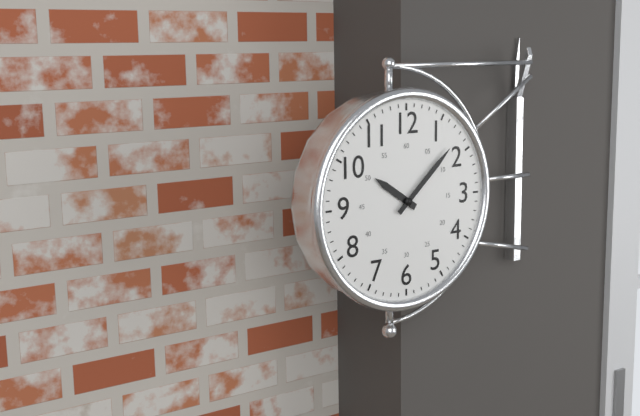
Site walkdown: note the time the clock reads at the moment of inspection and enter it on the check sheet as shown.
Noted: 10:08
